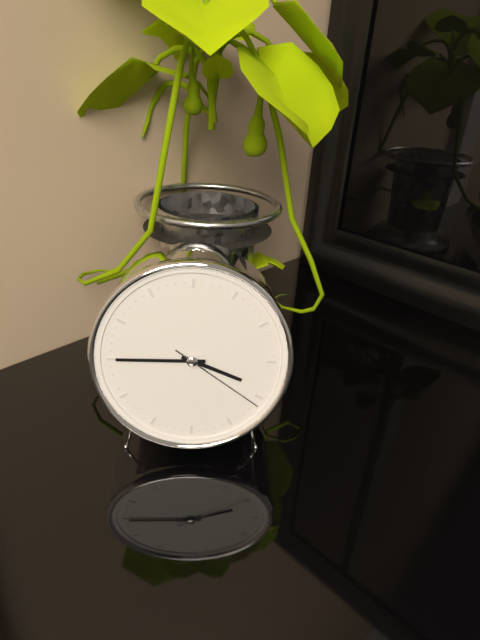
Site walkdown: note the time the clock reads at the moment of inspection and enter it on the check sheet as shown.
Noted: 3:45:21
